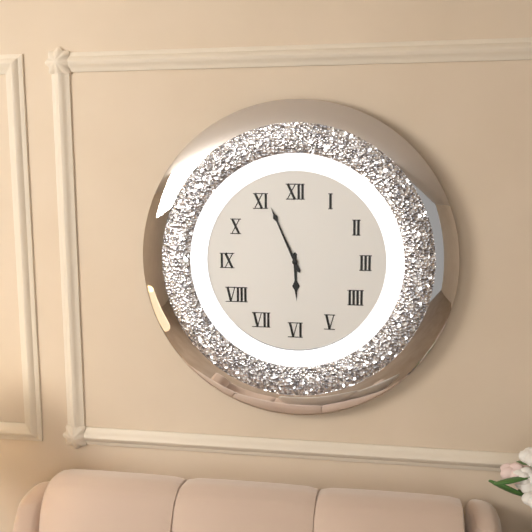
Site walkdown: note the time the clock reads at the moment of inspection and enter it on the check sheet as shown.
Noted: 5:56
